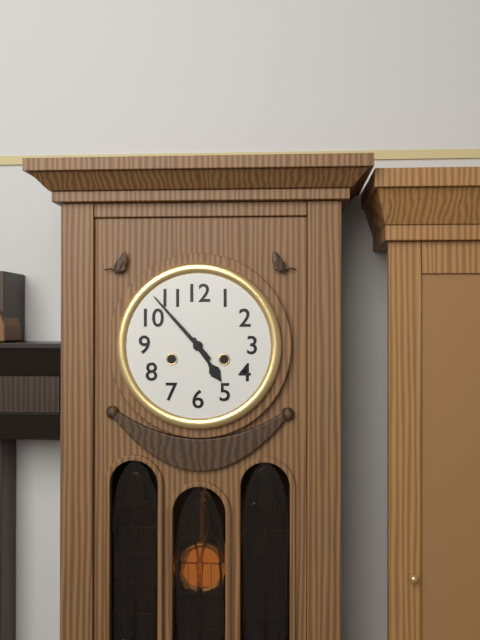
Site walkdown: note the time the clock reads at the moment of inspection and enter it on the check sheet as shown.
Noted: 4:53
